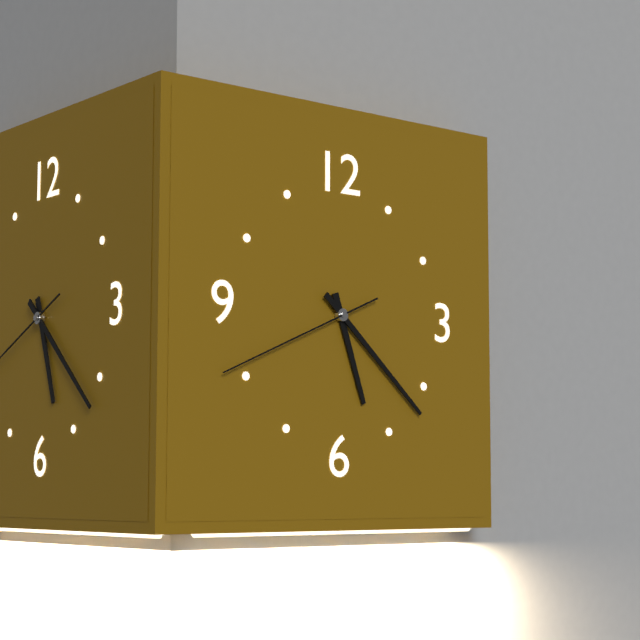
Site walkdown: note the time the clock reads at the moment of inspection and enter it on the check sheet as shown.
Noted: 5:22:41
